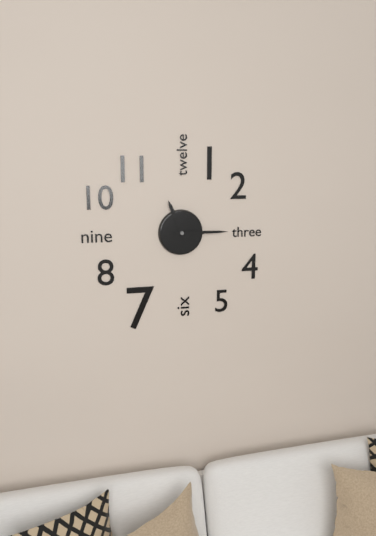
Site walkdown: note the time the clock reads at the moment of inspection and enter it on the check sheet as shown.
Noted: 11:15
